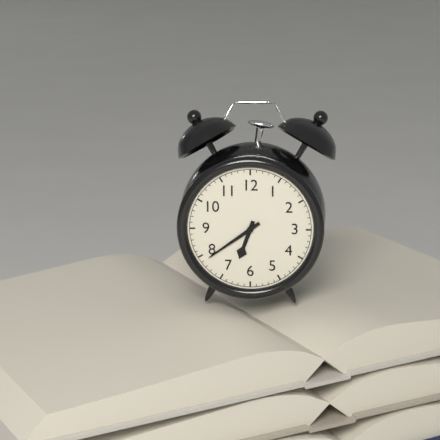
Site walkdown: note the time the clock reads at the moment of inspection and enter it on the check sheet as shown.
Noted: 6:39
